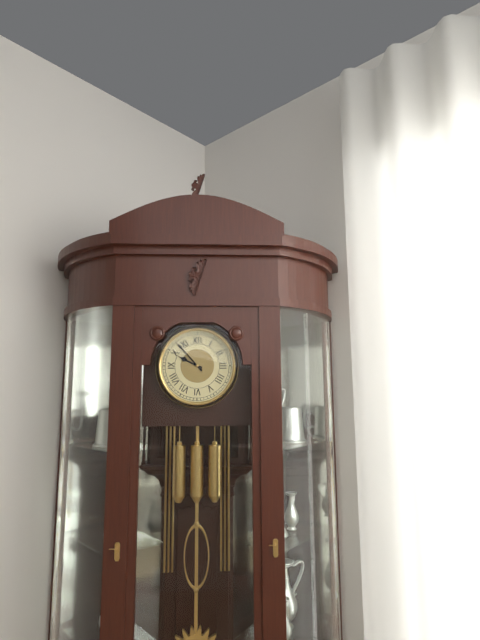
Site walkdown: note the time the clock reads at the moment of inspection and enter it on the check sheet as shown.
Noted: 9:53
